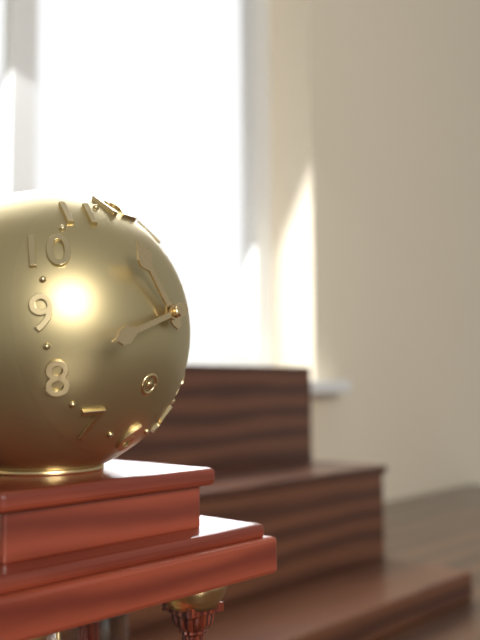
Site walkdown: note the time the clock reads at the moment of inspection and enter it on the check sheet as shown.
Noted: 10:42
